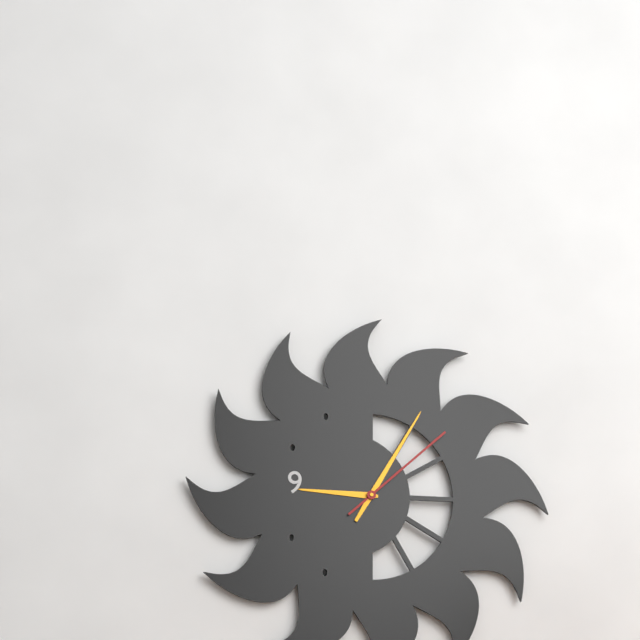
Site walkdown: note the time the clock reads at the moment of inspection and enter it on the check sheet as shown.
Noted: 9:05:08
